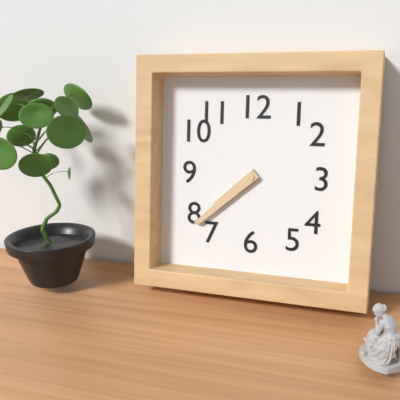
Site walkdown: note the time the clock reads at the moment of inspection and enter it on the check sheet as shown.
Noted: 7:38
